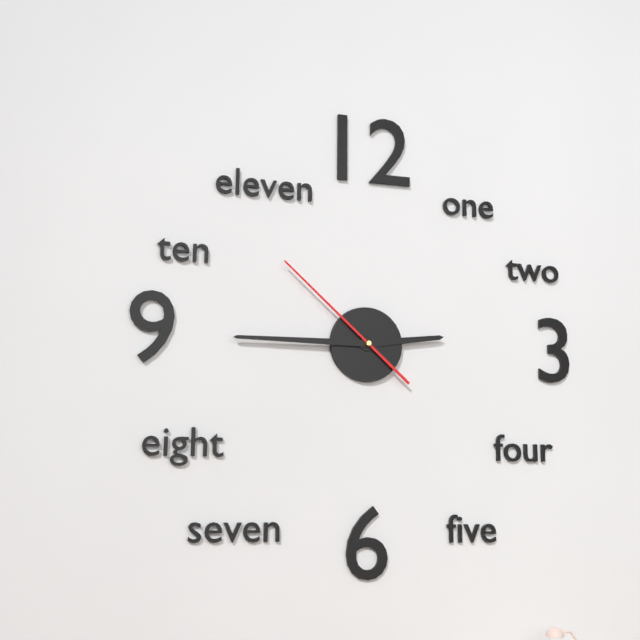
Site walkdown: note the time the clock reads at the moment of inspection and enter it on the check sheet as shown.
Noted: 2:45:52
